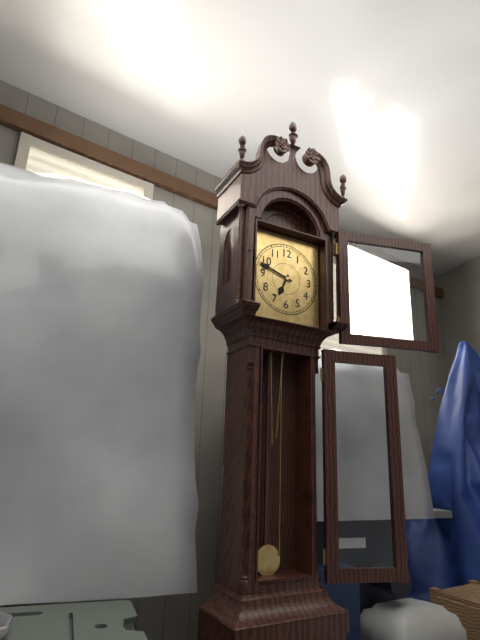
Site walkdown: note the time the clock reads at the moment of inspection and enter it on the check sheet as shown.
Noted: 6:48
